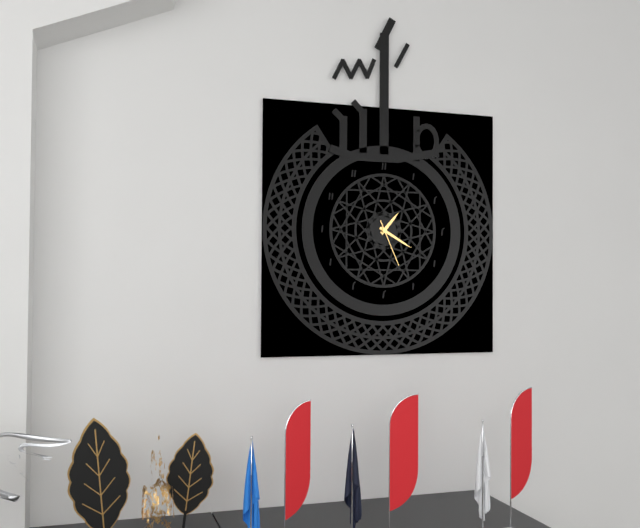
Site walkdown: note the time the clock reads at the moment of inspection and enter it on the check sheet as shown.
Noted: 1:20
